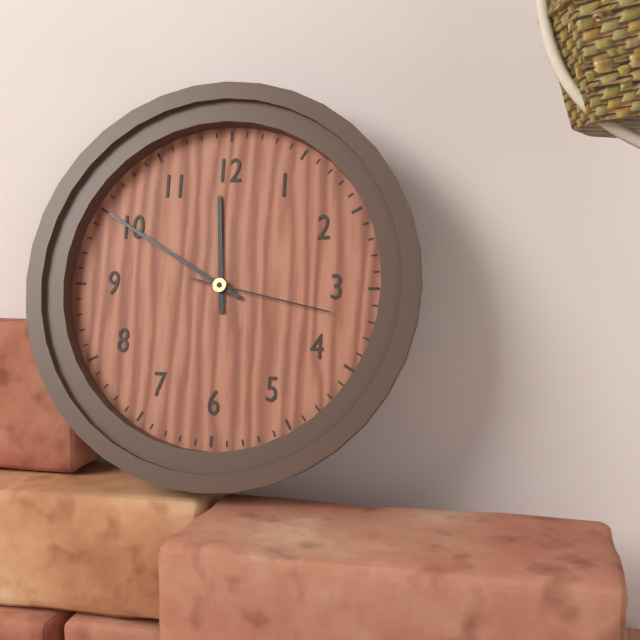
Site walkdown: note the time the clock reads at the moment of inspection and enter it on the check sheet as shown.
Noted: 11:50:17
